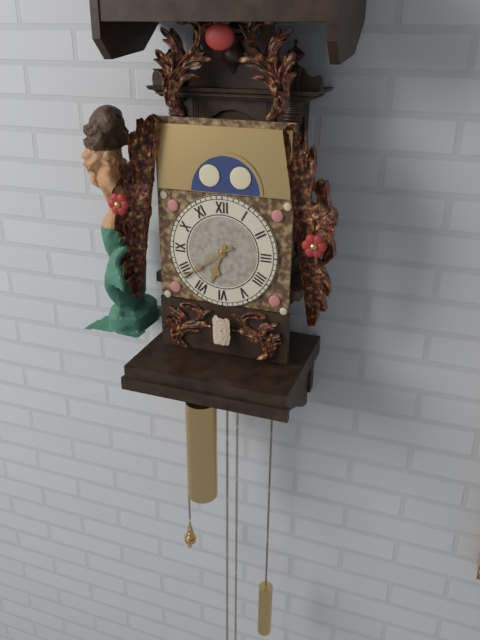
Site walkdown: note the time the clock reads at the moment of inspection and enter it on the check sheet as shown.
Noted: 6:39
